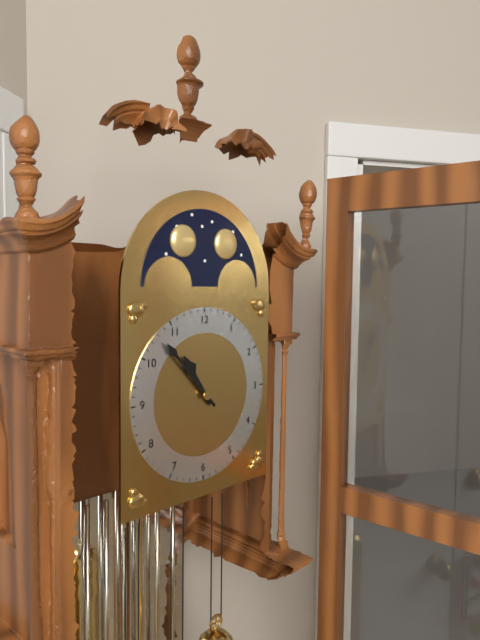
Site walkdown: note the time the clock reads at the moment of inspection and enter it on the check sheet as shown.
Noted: 10:53
